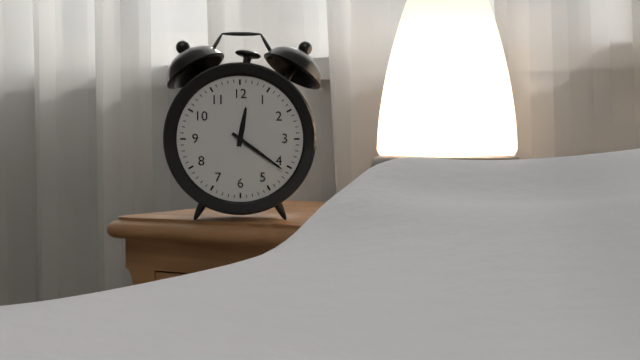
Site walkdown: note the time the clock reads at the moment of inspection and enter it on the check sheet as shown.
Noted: 12:21
